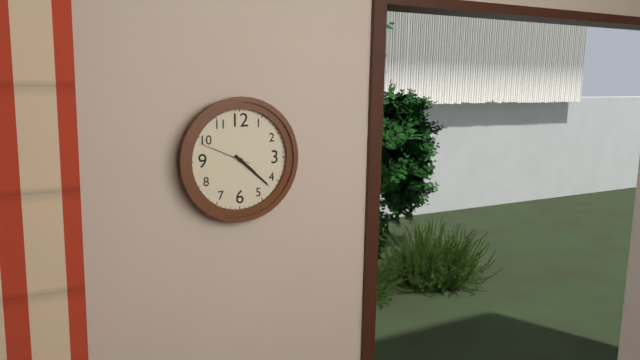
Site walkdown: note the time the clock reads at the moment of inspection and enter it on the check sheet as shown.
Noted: 4:22:49
